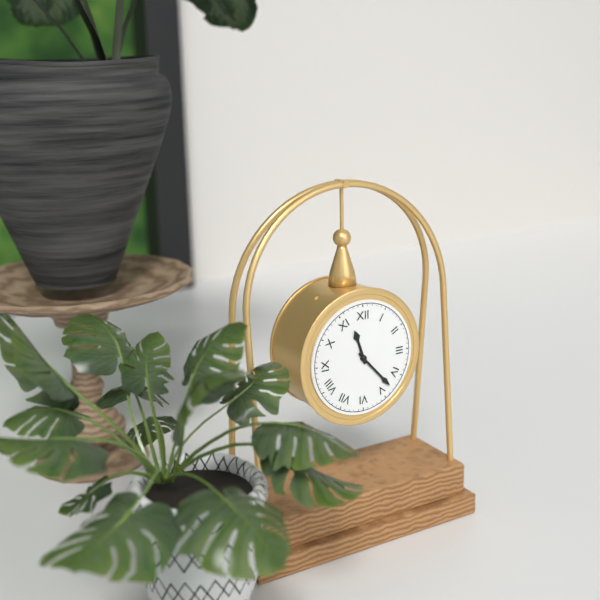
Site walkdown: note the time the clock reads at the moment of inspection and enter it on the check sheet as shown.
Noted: 11:23
